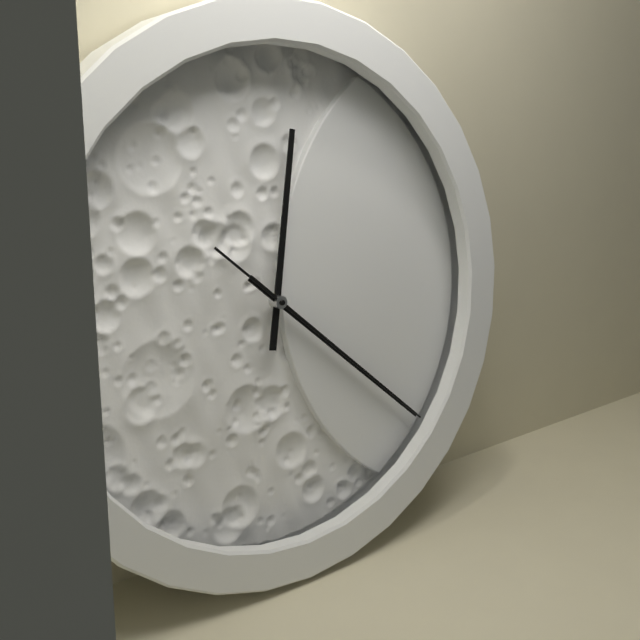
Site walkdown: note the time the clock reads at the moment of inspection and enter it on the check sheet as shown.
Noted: 12:22:22
